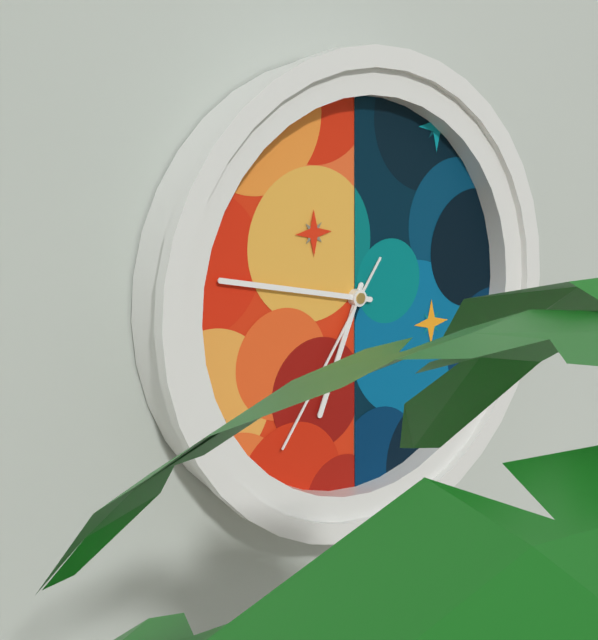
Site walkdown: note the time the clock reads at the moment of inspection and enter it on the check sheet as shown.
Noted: 6:47:36
